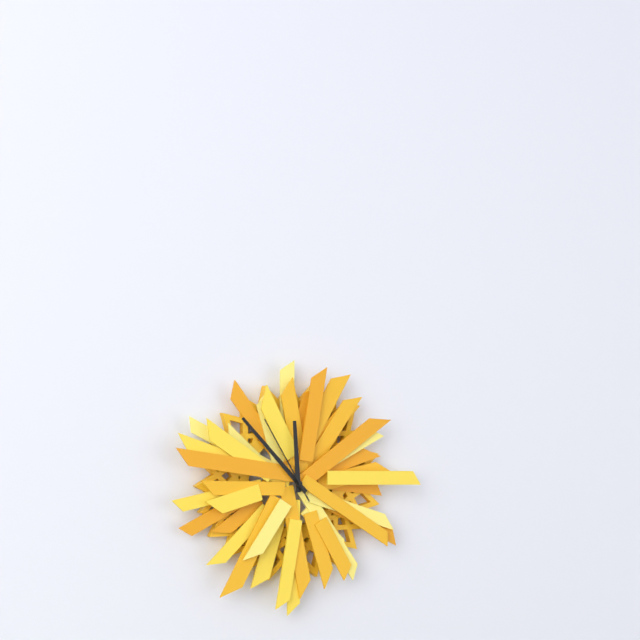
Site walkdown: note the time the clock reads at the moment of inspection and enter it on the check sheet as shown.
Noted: 11:53:55
